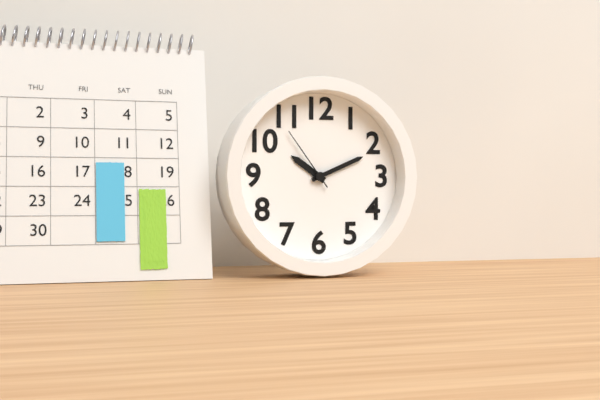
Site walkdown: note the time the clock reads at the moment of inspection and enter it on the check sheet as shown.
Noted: 10:11:54
